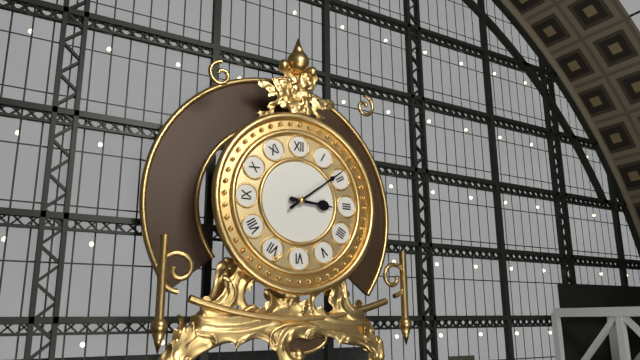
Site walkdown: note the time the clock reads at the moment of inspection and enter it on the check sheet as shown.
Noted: 3:09
